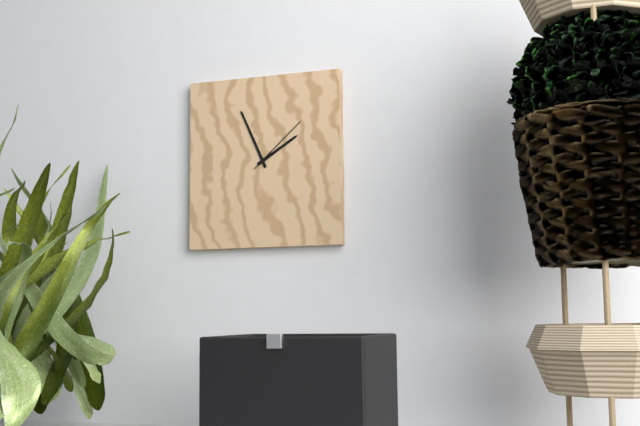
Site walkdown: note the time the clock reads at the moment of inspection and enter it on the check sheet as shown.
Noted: 1:56:08
